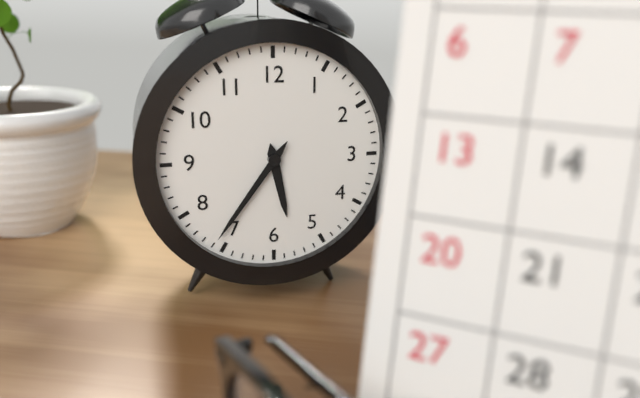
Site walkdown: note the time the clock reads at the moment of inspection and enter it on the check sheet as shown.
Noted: 5:36
